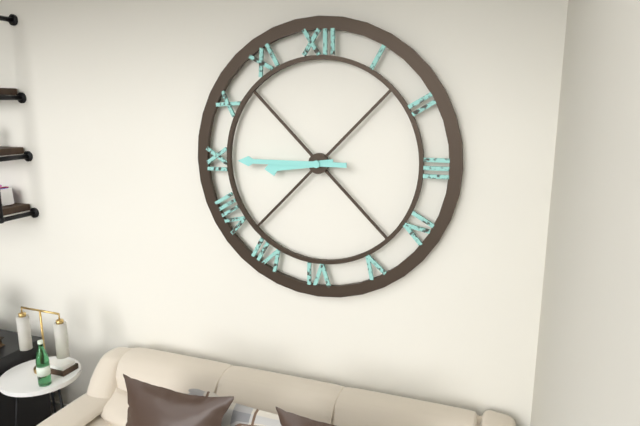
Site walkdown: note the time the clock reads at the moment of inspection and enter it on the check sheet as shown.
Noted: 8:45
